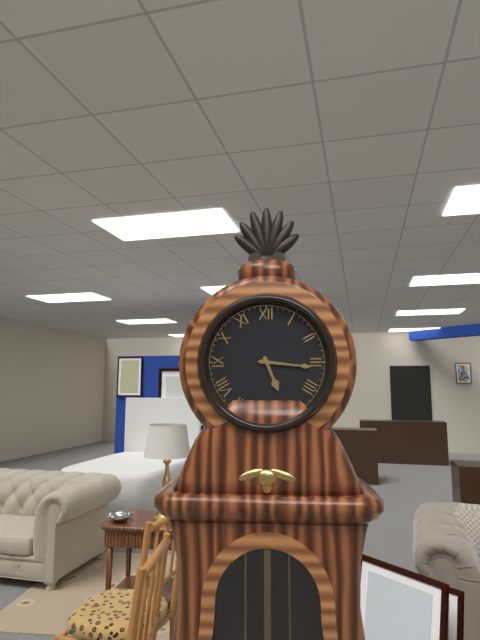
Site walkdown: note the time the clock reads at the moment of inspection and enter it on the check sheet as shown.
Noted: 5:16
